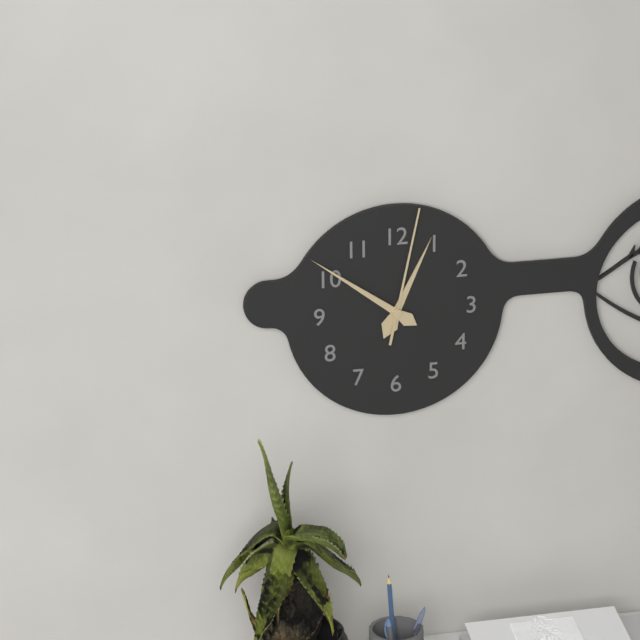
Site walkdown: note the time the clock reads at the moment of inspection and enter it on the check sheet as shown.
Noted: 12:51:02
